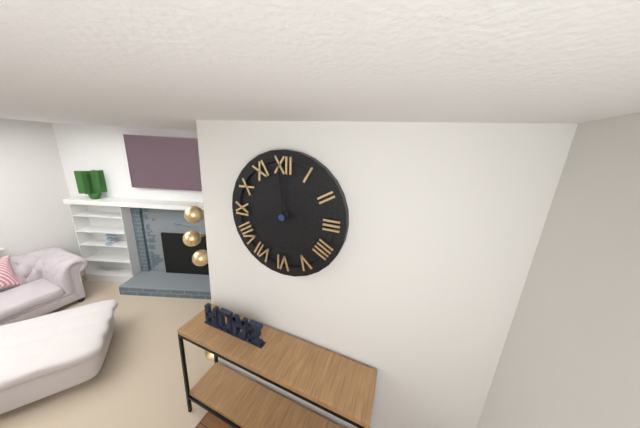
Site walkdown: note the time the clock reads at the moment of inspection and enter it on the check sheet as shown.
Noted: 7:59
